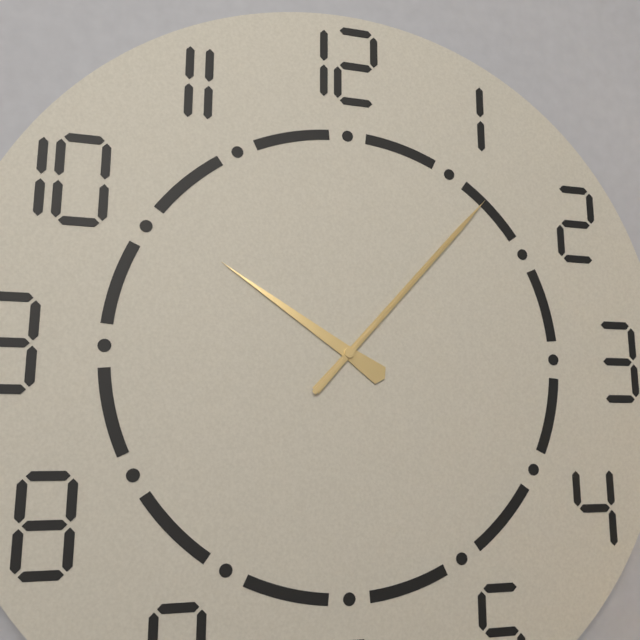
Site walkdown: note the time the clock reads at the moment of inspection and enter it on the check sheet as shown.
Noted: 10:07:07
